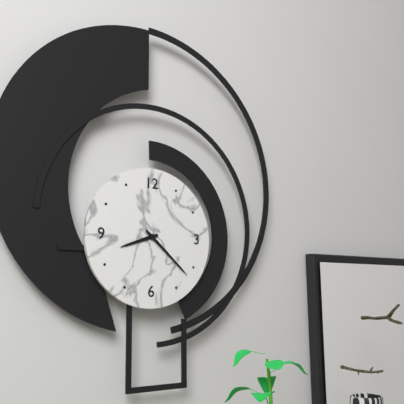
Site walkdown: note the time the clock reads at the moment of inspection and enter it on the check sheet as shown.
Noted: 8:22
